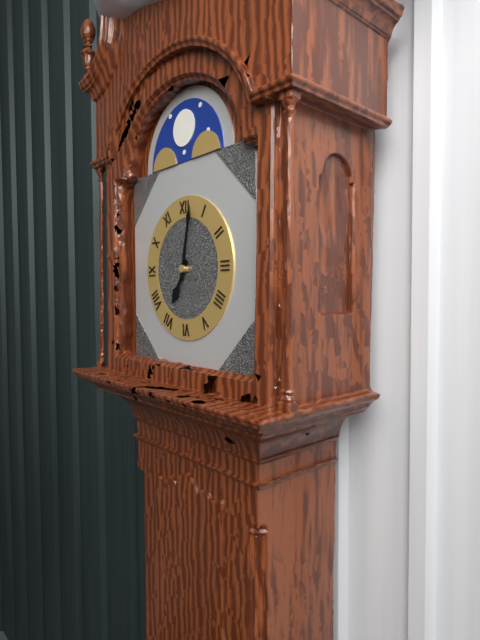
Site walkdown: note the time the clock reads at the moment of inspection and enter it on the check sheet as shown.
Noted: 7:02
